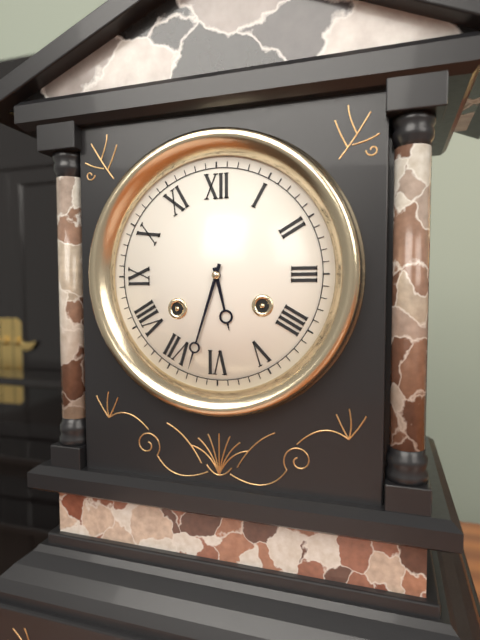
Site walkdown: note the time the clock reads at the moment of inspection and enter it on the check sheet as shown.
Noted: 5:33
